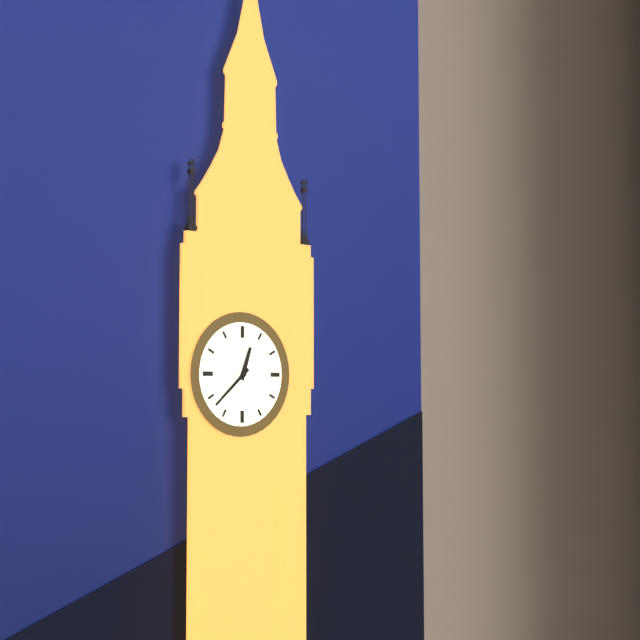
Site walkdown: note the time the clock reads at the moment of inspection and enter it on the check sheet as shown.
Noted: 12:38
